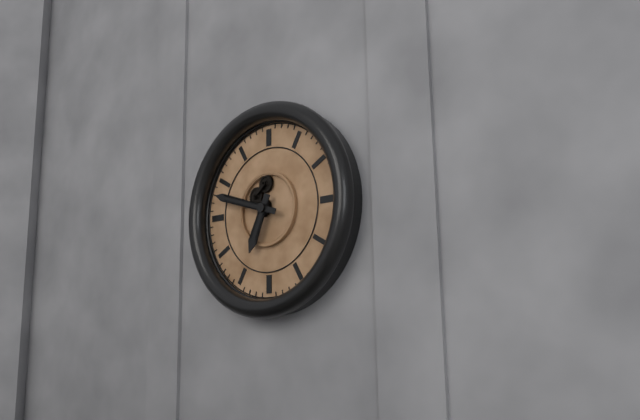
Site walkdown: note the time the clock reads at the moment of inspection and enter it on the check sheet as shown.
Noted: 6:48
